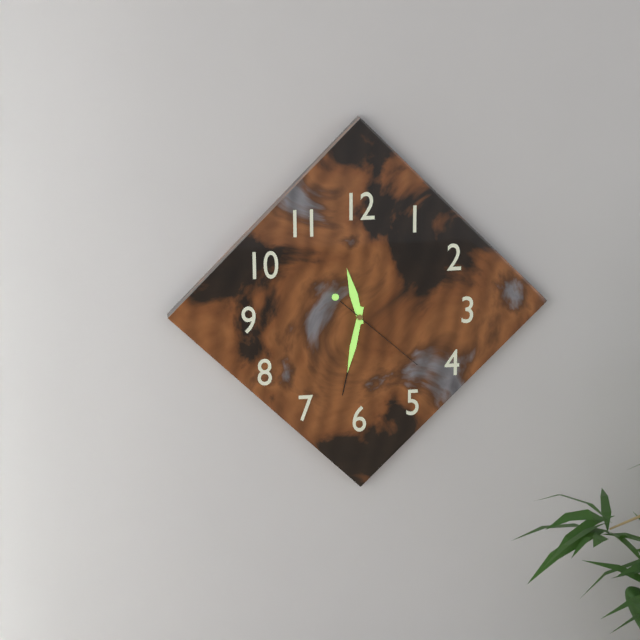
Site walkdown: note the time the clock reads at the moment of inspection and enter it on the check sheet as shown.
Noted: 11:32:22
